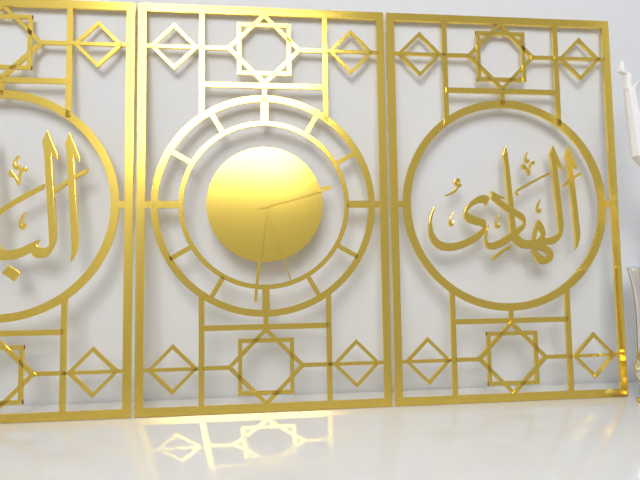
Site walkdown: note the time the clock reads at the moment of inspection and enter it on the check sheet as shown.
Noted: 2:31:27
